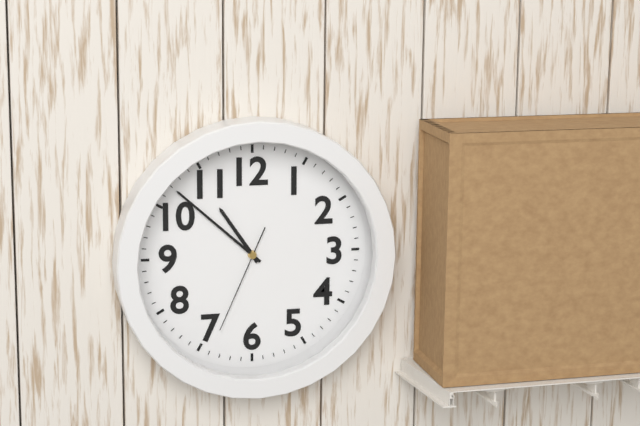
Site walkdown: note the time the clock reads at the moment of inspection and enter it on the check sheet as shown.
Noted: 10:52:34
